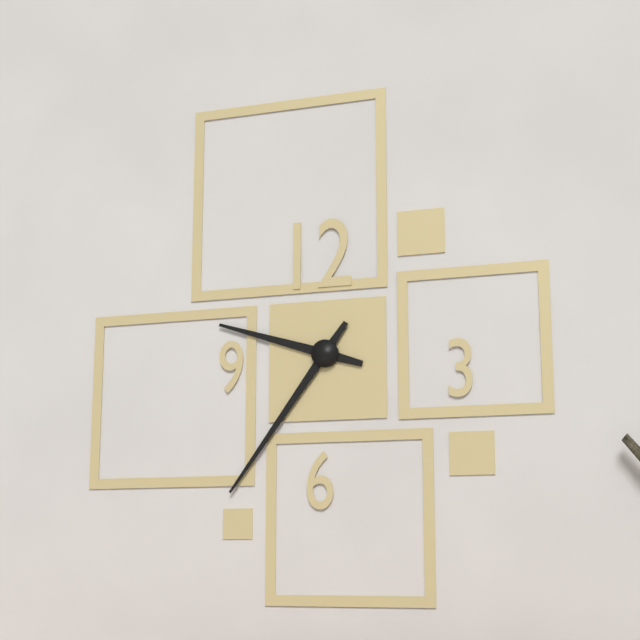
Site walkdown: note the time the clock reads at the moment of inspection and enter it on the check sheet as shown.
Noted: 9:36
